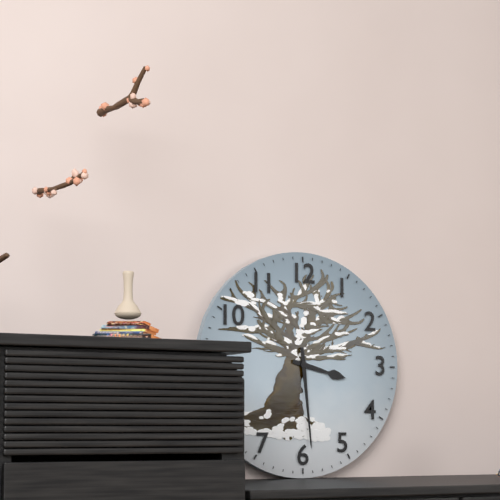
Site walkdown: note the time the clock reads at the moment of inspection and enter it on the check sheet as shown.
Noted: 3:29
